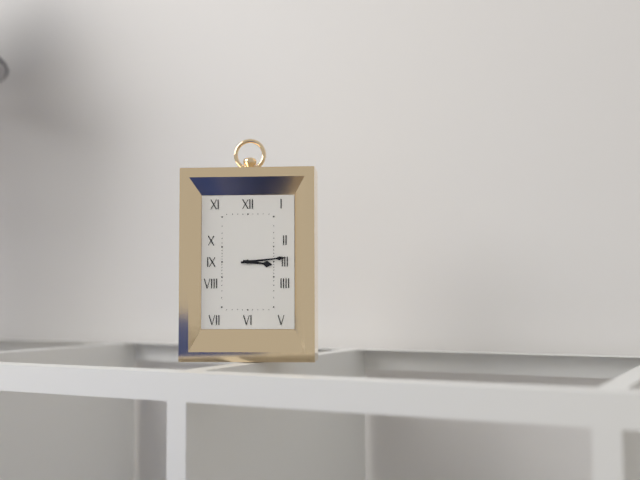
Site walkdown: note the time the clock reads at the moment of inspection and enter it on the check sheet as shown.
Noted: 3:14
